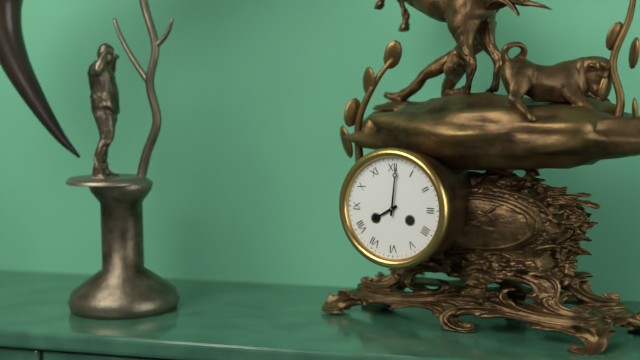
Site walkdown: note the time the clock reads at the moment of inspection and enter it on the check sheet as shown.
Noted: 8:01
